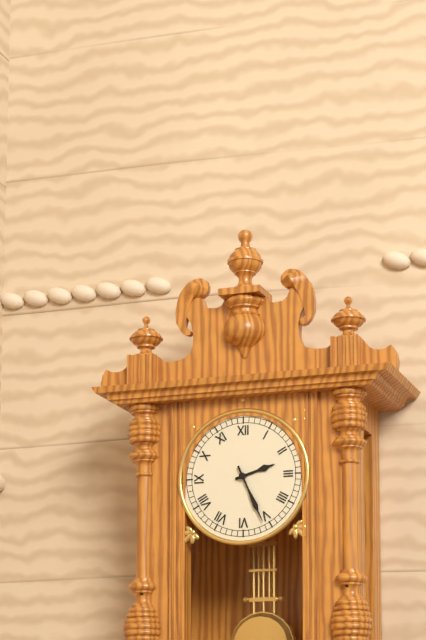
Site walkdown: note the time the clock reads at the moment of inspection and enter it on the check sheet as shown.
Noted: 2:26
